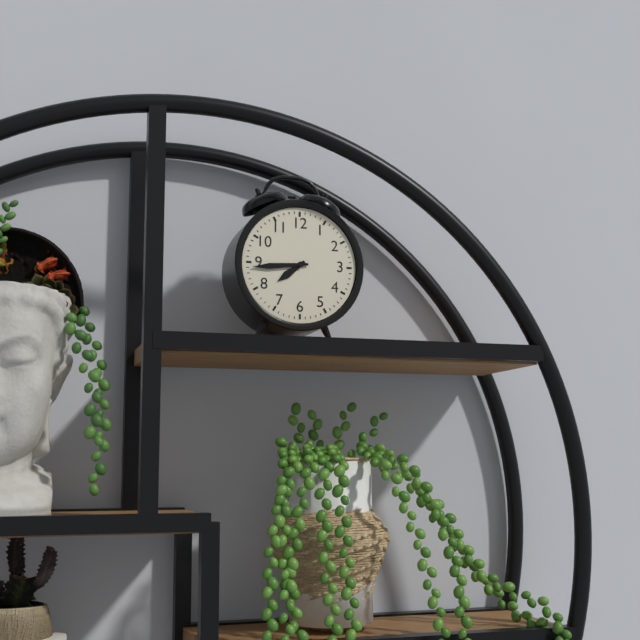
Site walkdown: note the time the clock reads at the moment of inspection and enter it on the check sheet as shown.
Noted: 7:44
